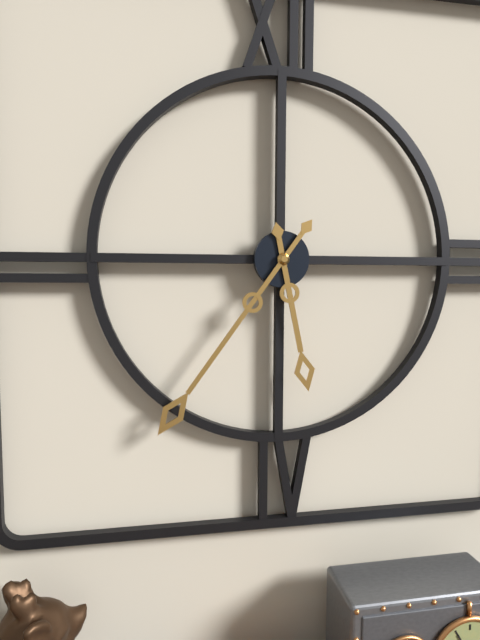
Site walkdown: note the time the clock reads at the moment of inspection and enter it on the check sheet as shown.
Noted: 5:36
